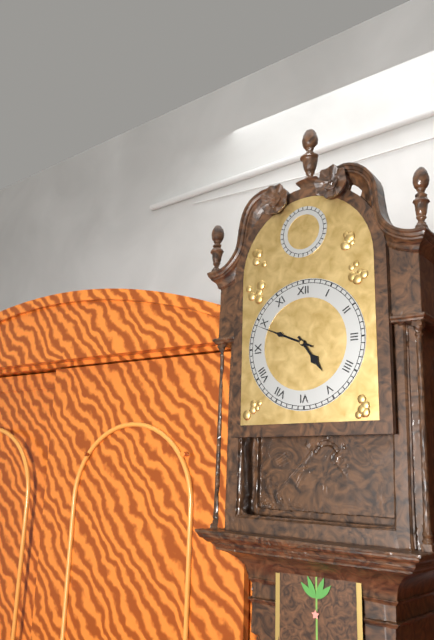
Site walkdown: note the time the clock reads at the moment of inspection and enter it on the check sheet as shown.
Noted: 4:49
